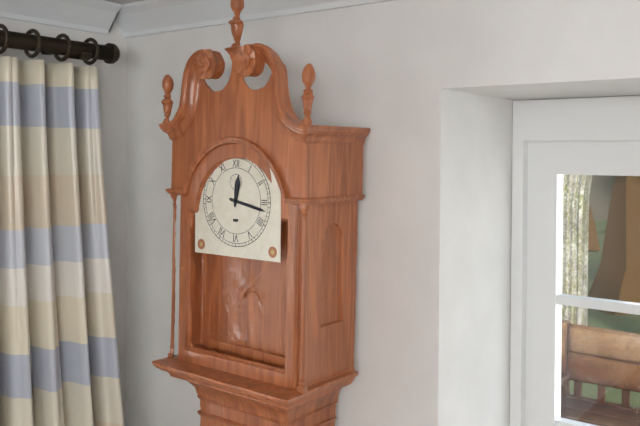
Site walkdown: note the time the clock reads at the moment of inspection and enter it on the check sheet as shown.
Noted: 12:17
